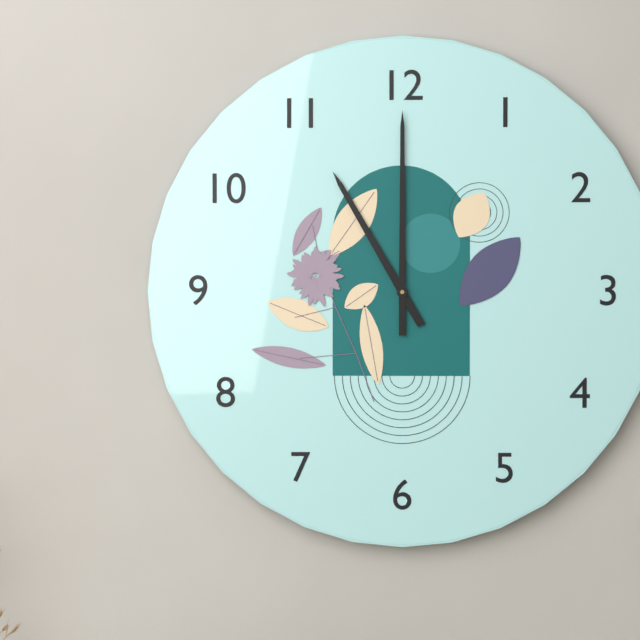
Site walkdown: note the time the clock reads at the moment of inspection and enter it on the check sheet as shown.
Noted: 11:00
